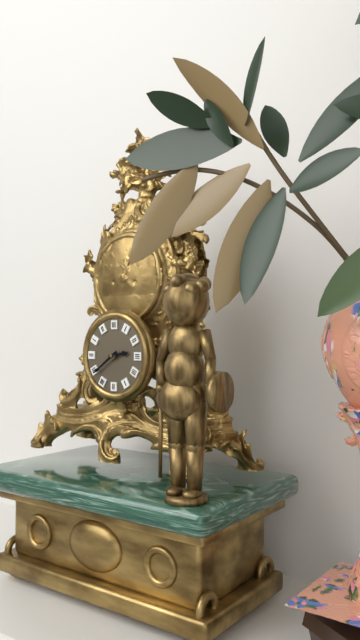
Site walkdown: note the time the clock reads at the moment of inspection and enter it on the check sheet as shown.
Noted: 2:39
